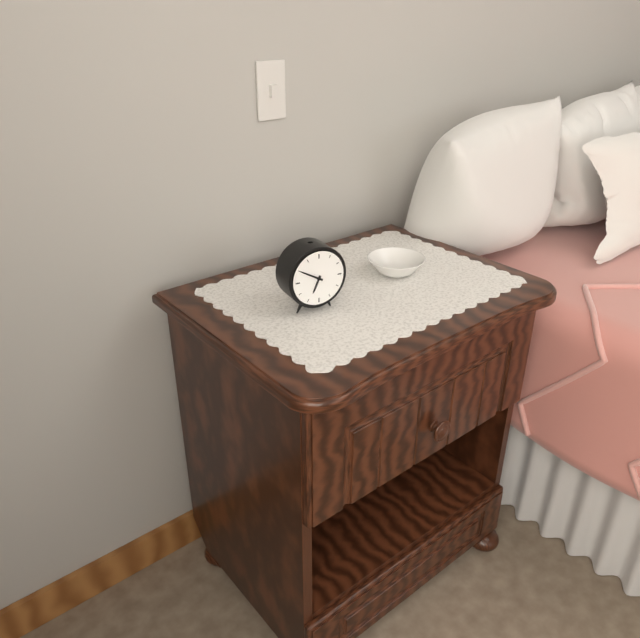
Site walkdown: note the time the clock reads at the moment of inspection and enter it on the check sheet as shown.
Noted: 6:50
